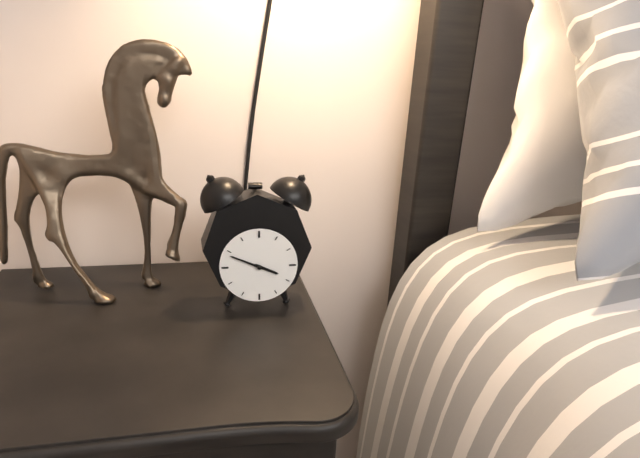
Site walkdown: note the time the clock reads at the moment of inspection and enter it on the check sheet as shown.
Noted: 3:49
